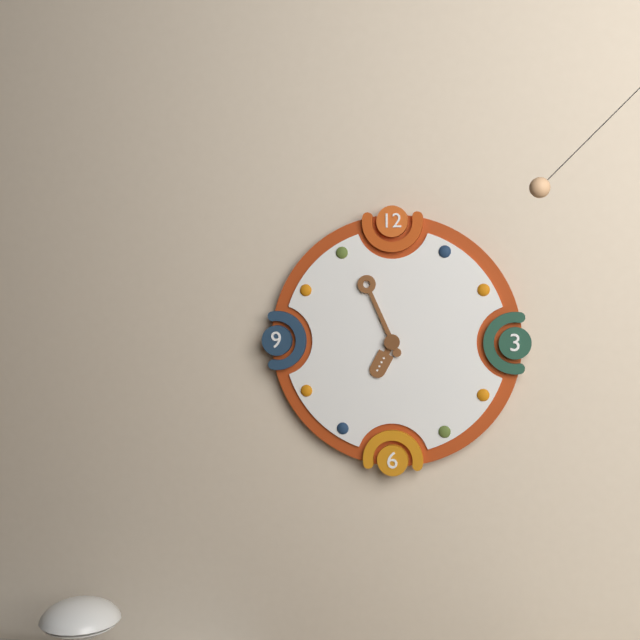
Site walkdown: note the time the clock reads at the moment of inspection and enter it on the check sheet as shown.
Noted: 6:56
